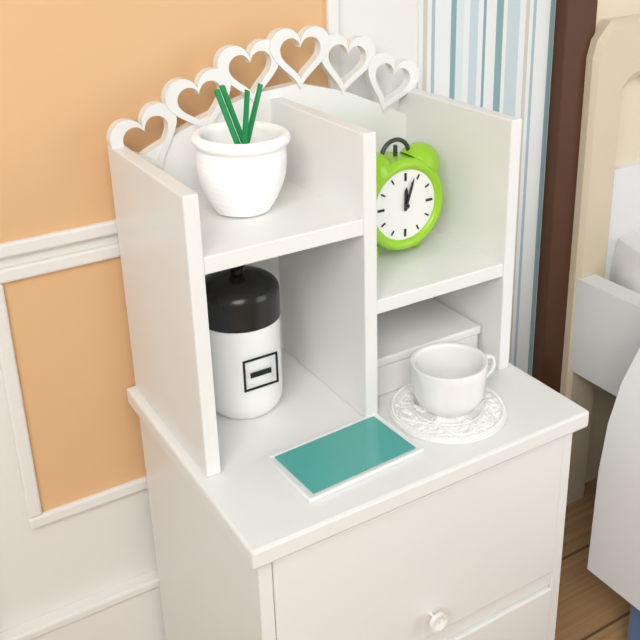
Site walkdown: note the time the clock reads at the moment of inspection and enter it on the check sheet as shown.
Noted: 12:03
